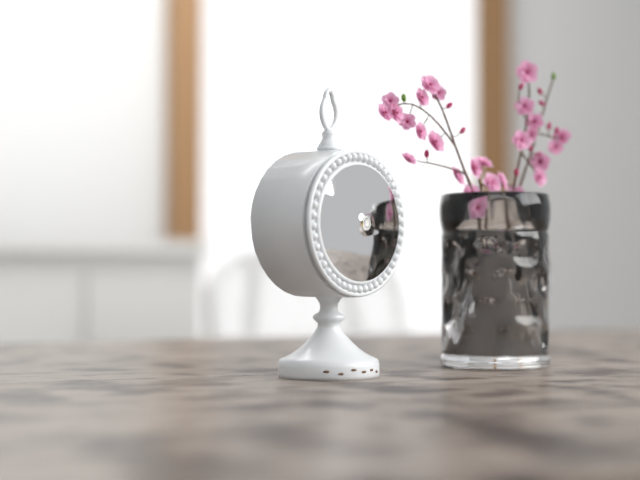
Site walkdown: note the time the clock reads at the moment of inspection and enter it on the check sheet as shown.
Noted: 6:24
